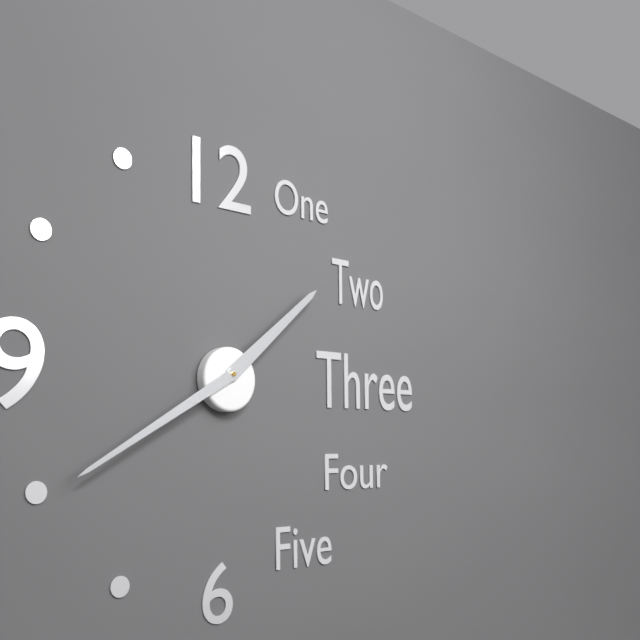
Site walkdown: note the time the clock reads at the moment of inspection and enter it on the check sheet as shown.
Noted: 1:40
